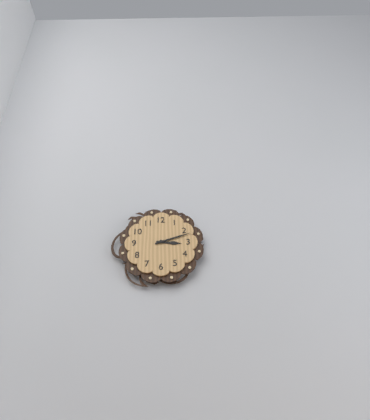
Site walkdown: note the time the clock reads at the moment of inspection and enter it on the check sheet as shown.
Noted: 3:12
